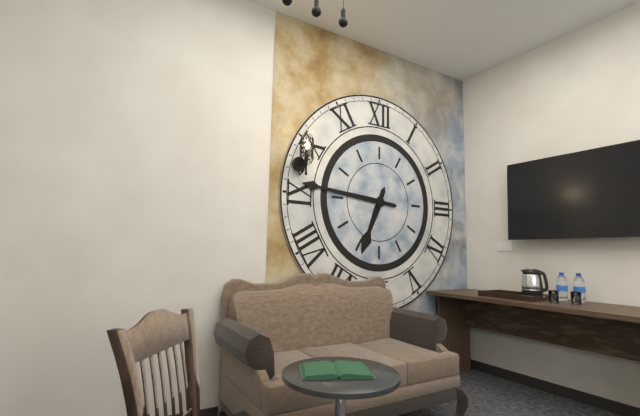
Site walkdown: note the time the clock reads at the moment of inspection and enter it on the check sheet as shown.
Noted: 6:46
